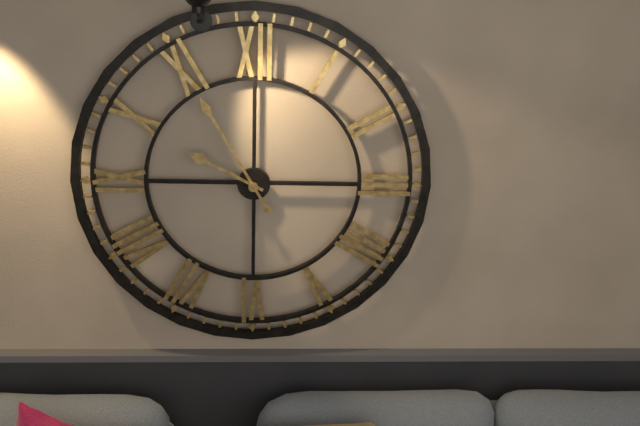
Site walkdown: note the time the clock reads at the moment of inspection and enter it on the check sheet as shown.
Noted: 9:55
